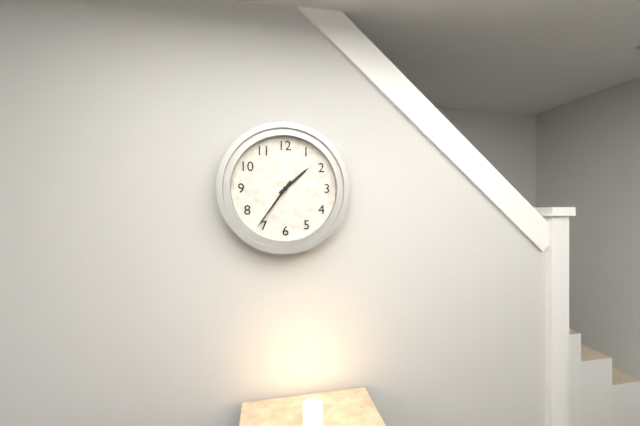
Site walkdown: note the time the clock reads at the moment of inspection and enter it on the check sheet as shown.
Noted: 1:36
